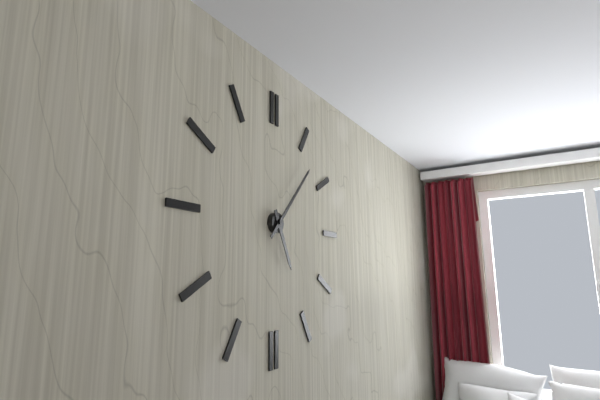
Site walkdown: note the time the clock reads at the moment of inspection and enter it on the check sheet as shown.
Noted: 5:07
